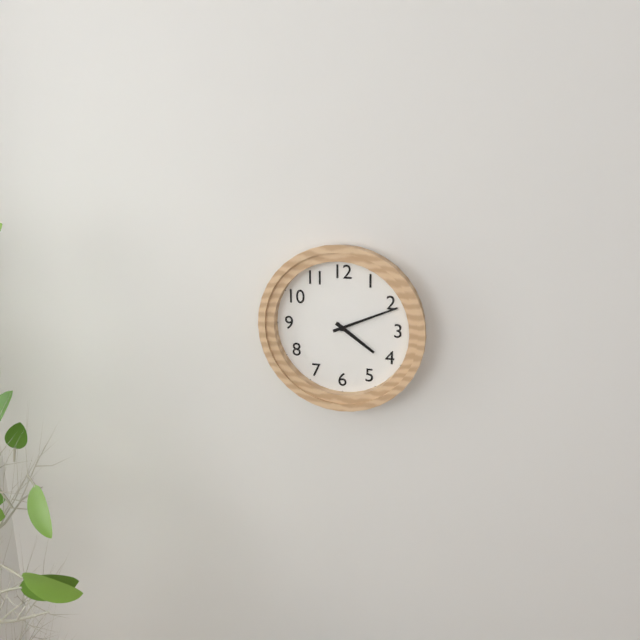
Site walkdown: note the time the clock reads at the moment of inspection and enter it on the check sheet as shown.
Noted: 4:11
